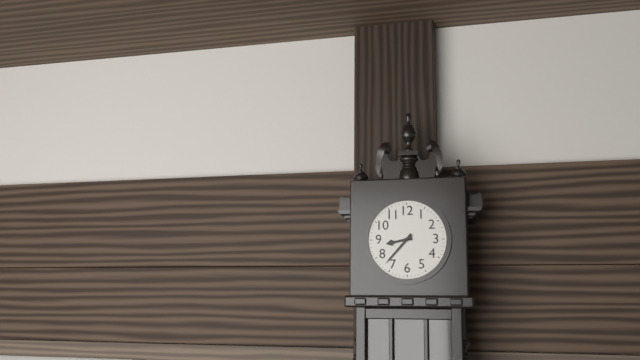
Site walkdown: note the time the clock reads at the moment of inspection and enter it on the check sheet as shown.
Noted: 8:37
